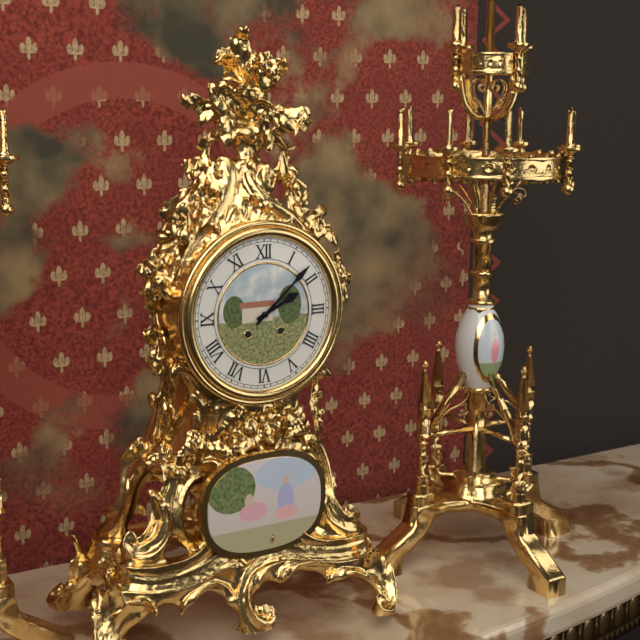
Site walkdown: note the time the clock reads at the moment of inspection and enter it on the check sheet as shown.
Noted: 2:08
